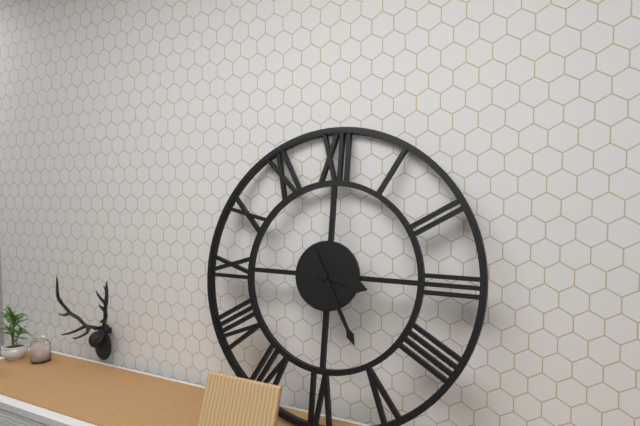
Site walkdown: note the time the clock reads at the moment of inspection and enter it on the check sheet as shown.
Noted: 3:25
